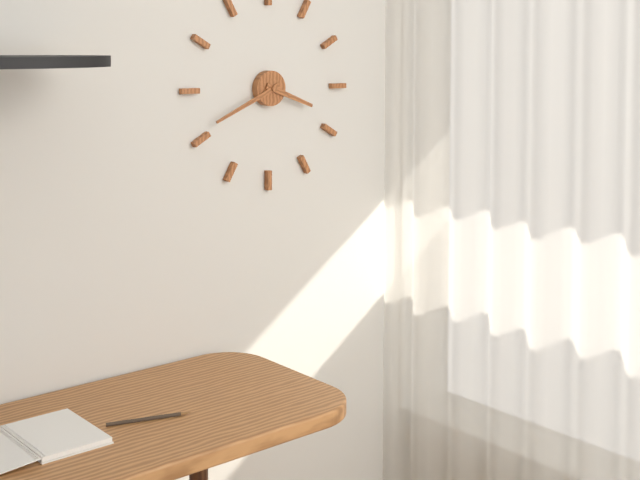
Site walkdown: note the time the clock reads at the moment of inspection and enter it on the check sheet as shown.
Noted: 3:41
